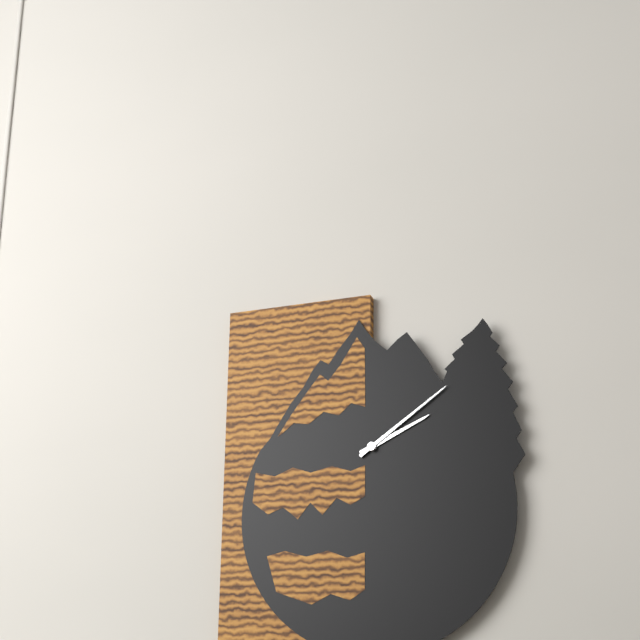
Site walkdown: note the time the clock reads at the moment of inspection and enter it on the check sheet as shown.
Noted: 2:09
